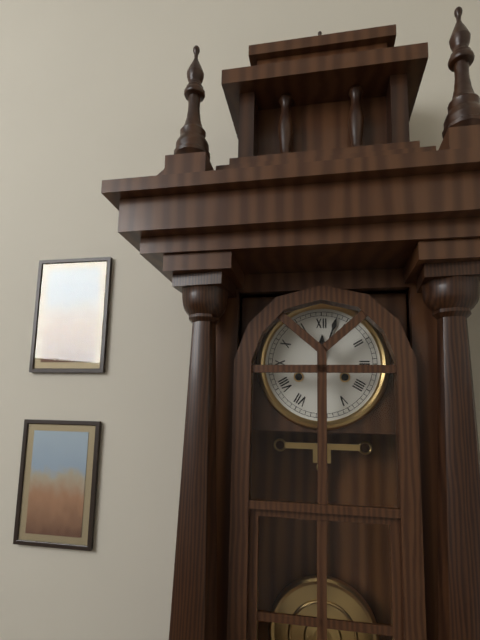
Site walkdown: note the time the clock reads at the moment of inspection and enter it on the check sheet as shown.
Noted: 12:03
